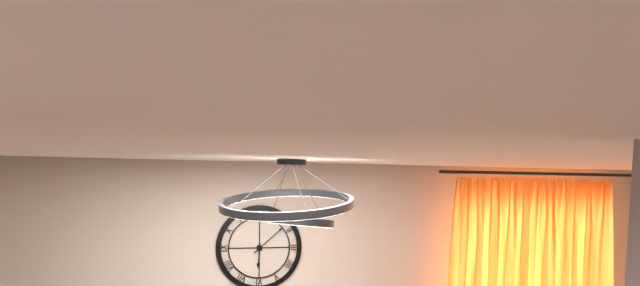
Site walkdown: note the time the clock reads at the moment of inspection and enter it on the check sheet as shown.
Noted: 6:08
